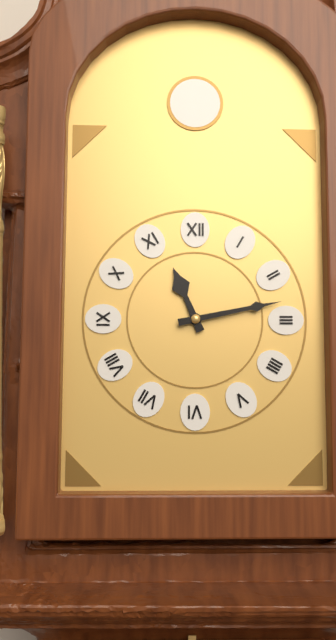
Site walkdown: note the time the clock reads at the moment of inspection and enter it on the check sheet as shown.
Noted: 11:13
